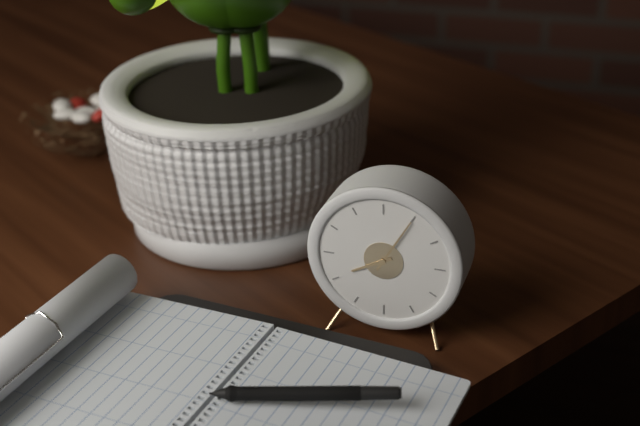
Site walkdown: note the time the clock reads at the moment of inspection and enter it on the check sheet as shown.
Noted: 8:05
